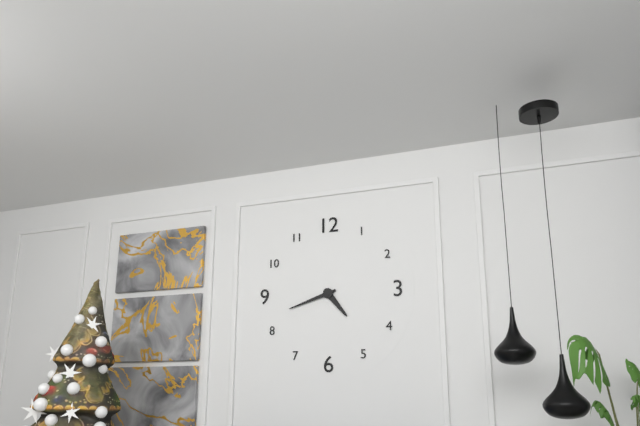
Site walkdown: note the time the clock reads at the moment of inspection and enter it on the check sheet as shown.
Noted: 4:42
